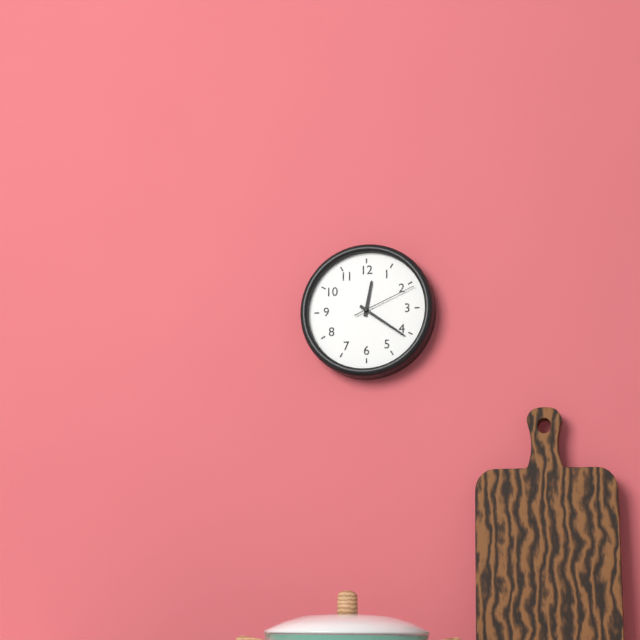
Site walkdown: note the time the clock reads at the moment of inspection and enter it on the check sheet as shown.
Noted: 12:21:11
